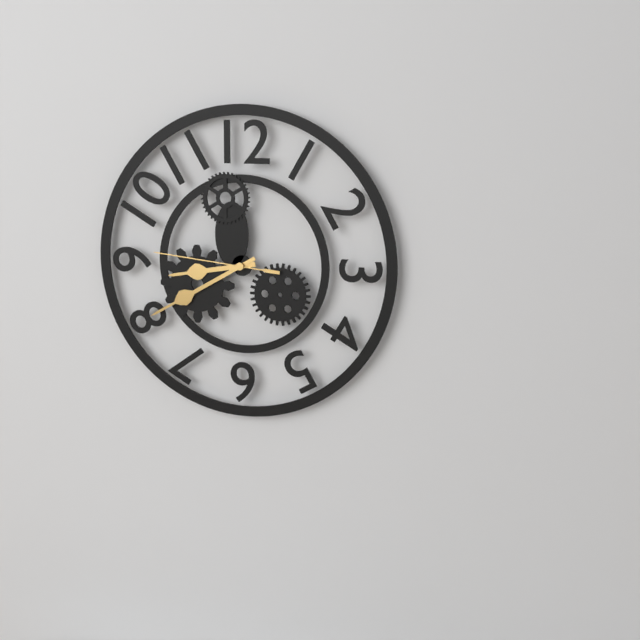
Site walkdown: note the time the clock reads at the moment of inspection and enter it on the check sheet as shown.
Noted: 8:40:46
